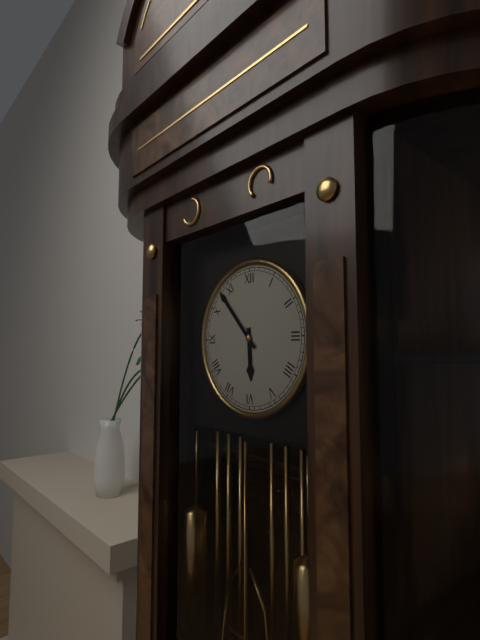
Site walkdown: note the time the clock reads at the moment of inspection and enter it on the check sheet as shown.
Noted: 5:53
